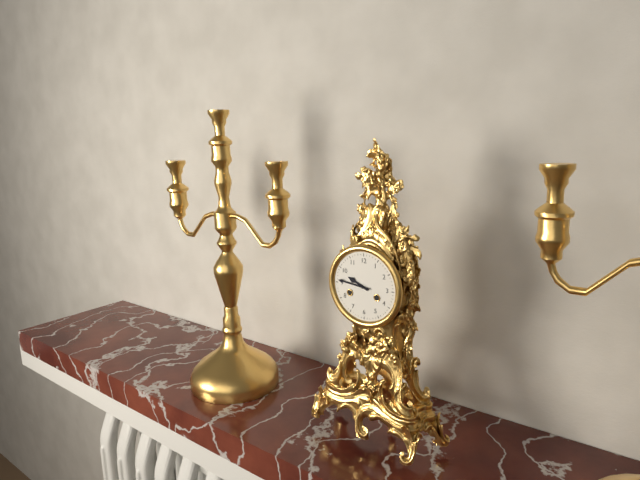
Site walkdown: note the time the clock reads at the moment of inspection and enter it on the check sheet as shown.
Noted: 9:46
